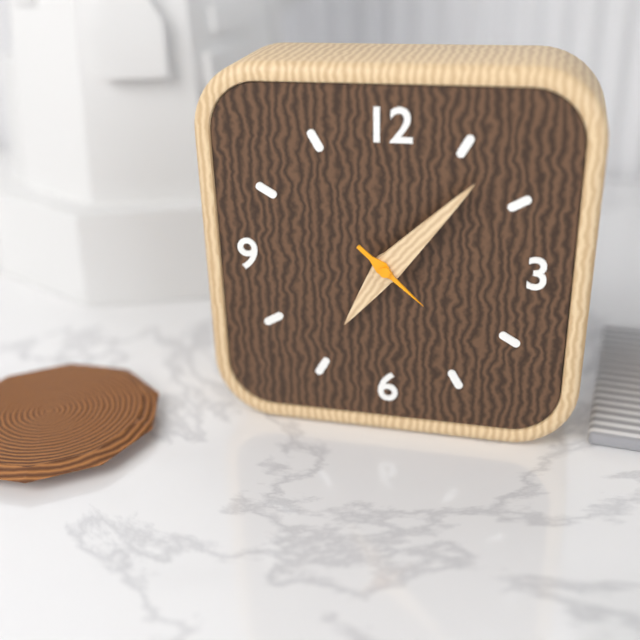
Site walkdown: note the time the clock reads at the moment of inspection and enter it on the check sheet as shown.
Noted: 7:07:22
